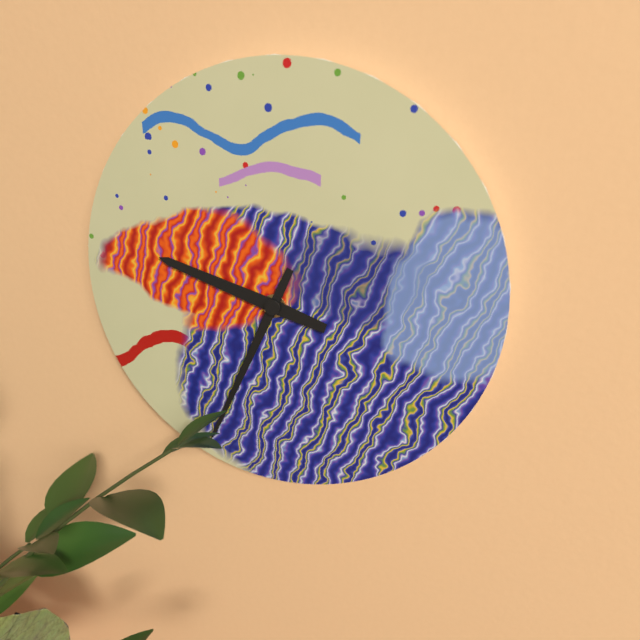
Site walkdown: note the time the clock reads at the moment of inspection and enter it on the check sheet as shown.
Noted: 9:34
